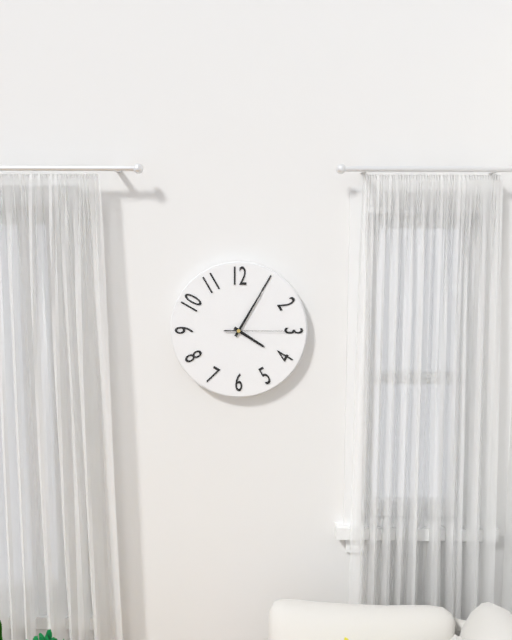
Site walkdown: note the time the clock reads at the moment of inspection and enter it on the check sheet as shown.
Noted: 4:05:15
